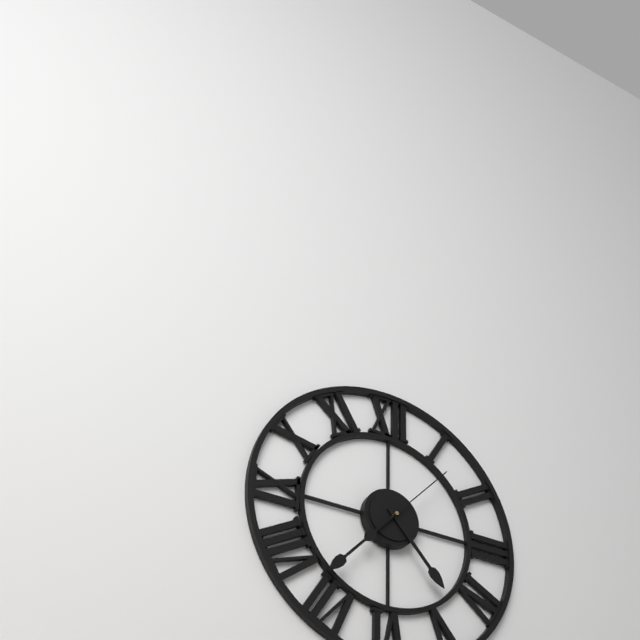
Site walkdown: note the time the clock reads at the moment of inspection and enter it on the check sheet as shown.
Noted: 4:37:07
